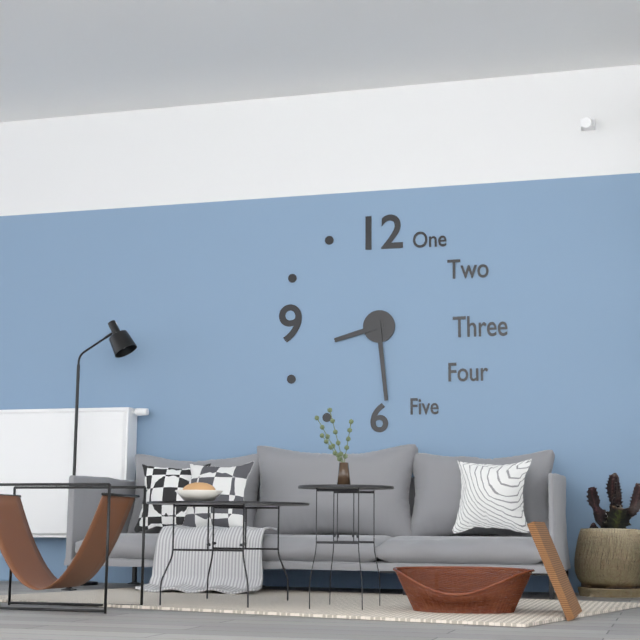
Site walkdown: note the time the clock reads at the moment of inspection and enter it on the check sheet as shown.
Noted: 8:29
